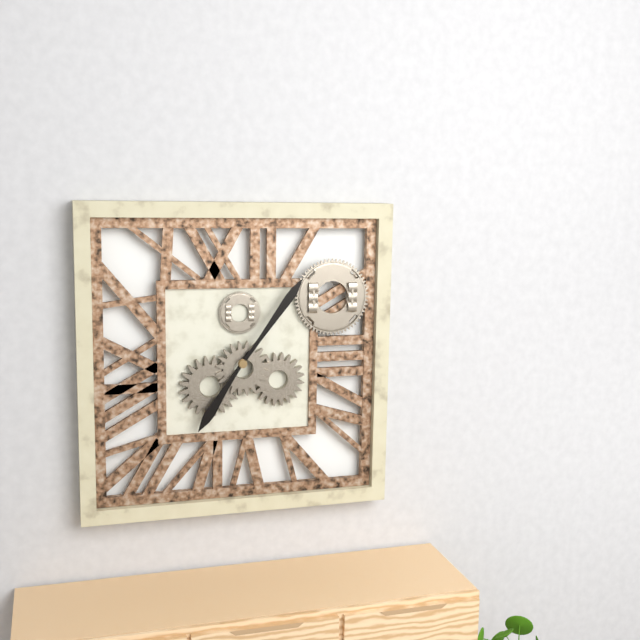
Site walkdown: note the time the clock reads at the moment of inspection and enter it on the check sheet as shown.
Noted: 7:06
